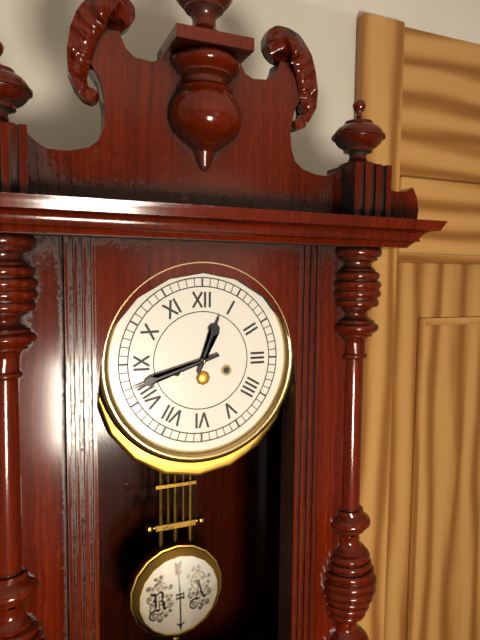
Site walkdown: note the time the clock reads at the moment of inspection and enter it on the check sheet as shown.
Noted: 12:42
